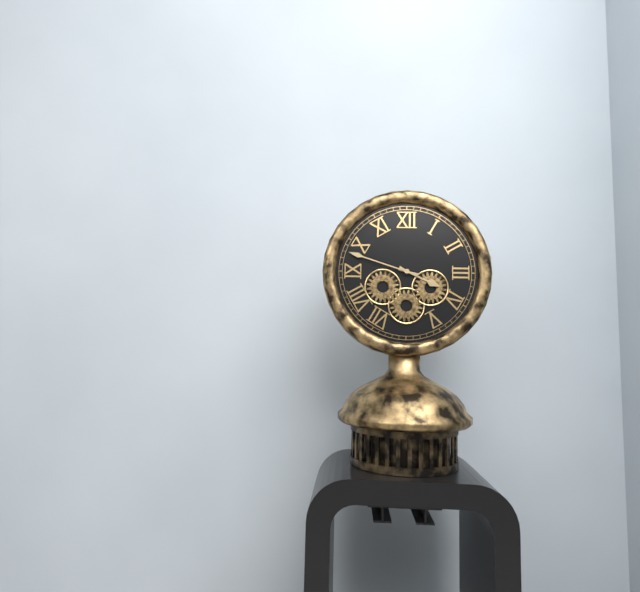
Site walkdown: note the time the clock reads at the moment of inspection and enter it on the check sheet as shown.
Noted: 3:48
